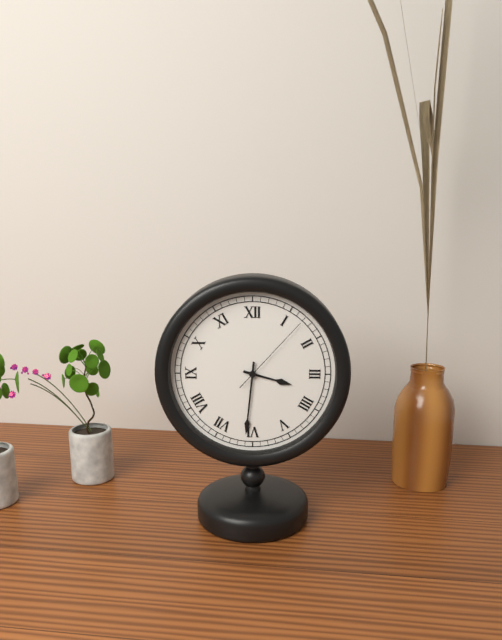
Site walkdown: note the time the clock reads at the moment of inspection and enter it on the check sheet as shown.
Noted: 3:31:07
